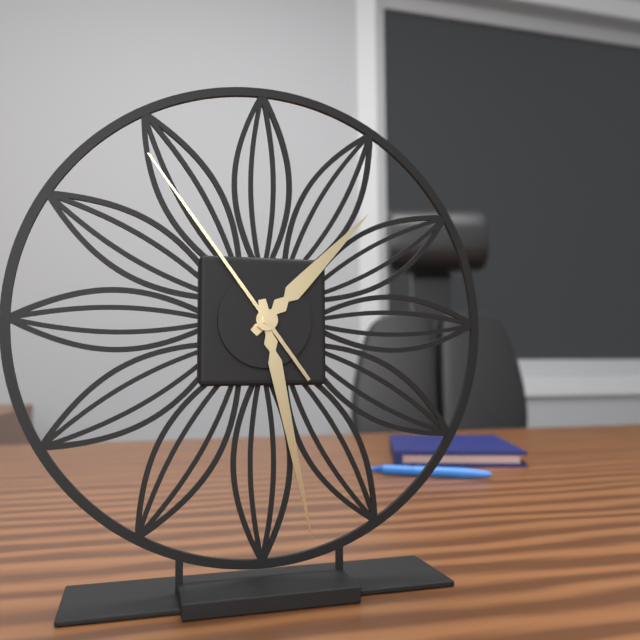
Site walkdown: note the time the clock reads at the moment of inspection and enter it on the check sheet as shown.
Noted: 1:28:54
